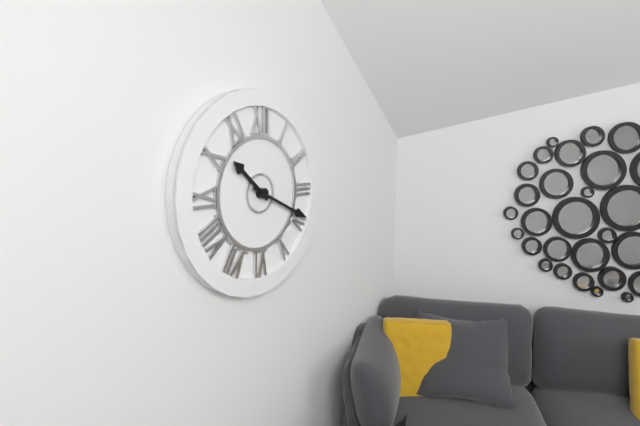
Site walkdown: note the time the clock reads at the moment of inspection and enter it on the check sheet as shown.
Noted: 10:19
